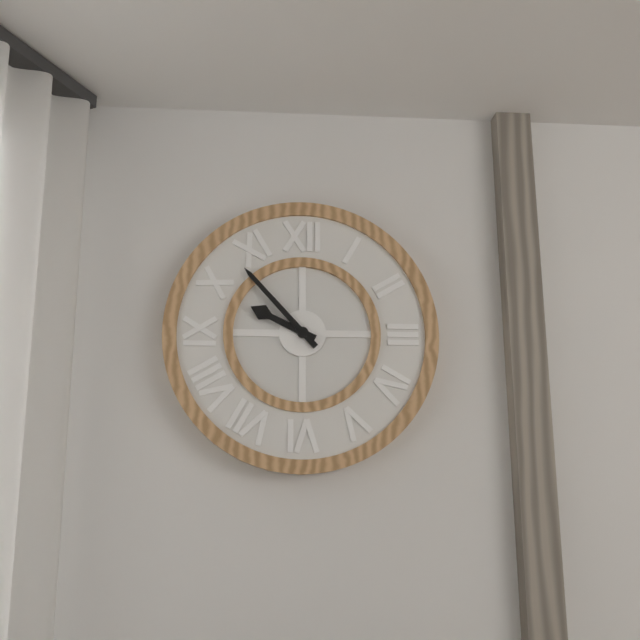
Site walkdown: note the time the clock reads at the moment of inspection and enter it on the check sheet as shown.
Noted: 9:53
